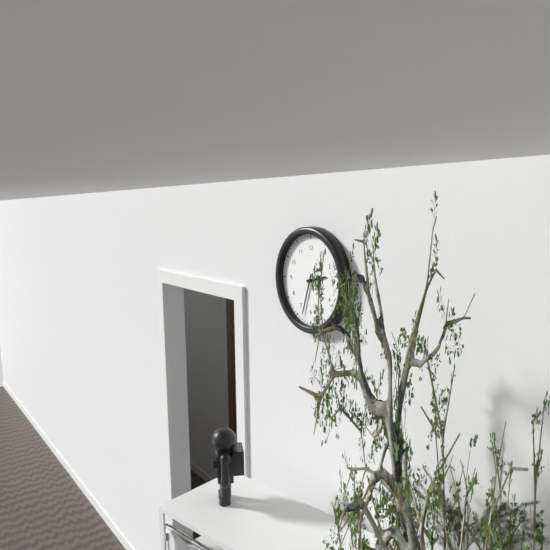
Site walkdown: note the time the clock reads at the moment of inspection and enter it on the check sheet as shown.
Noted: 2:33
